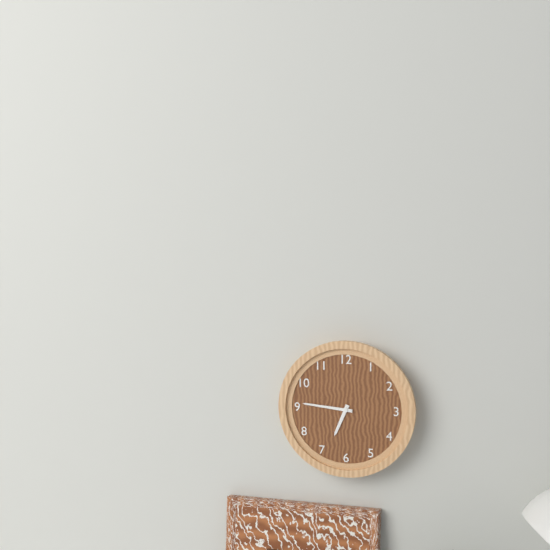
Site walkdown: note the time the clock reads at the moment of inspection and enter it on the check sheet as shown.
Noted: 6:46
